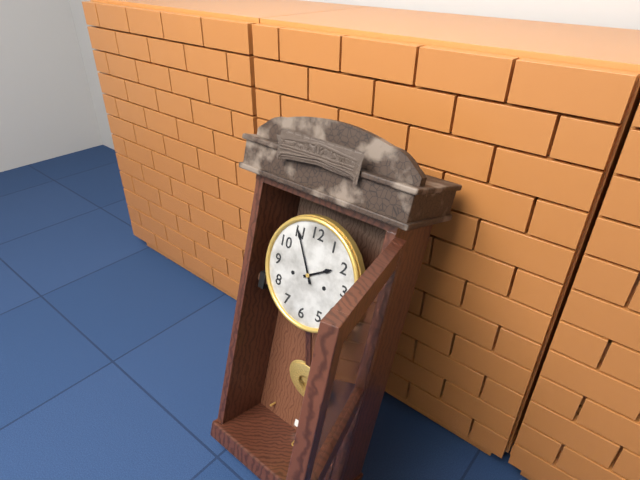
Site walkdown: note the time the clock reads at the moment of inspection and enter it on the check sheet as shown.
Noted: 1:55
